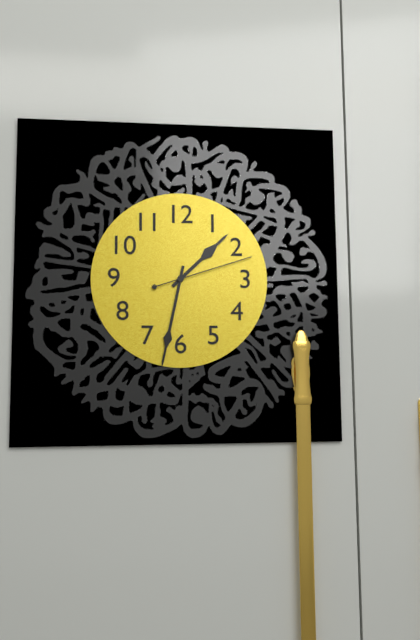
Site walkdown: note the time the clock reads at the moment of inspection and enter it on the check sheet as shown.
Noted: 1:32:12
